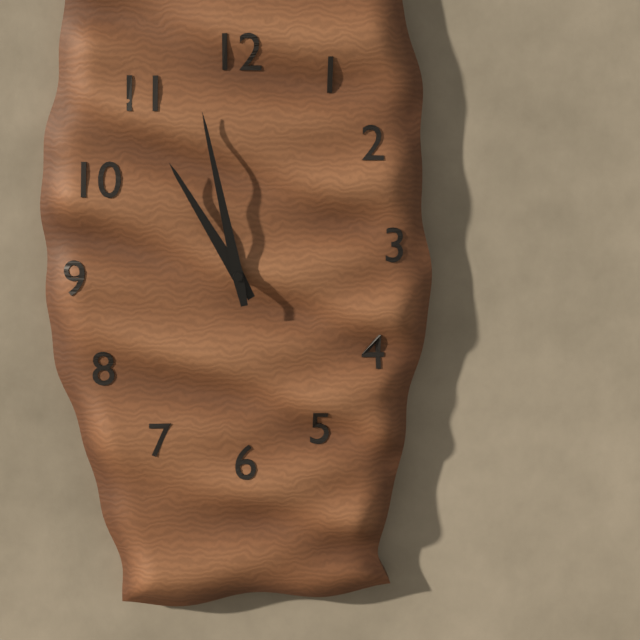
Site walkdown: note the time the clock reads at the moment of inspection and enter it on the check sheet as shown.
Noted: 10:58
